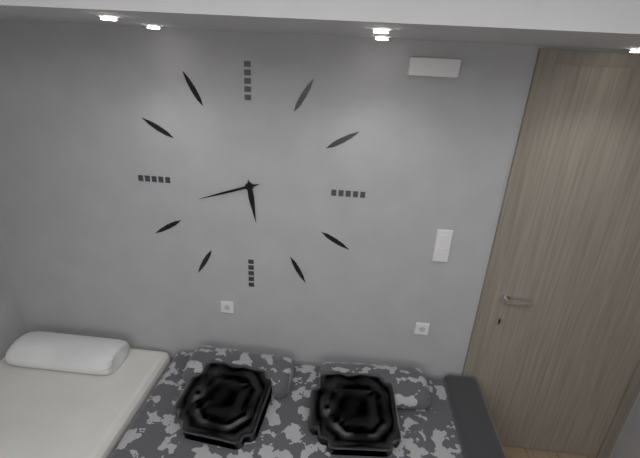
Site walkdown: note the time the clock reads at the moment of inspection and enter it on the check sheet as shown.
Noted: 5:42
